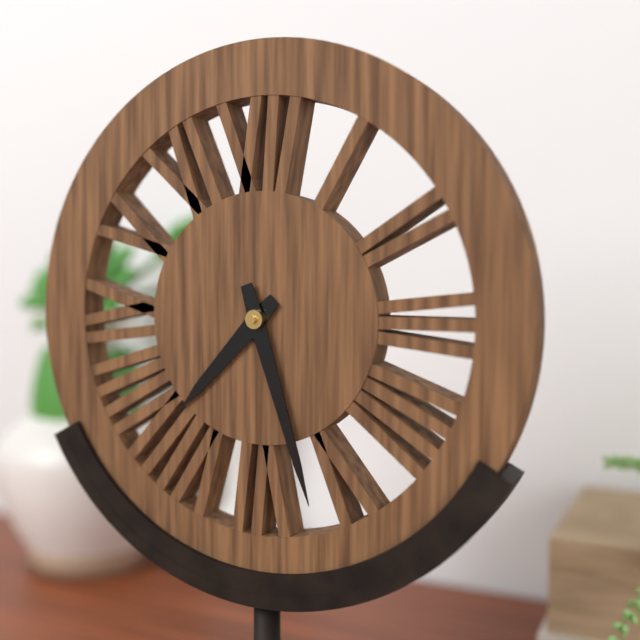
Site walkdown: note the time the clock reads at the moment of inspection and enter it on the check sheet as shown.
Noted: 7:27
